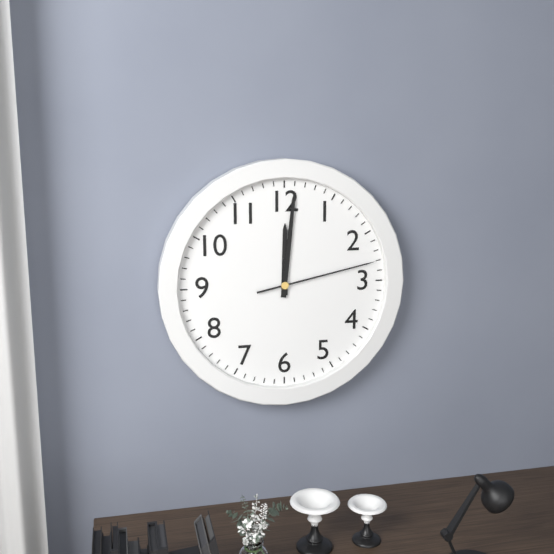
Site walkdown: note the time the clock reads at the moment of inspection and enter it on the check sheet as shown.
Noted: 12:01:13
